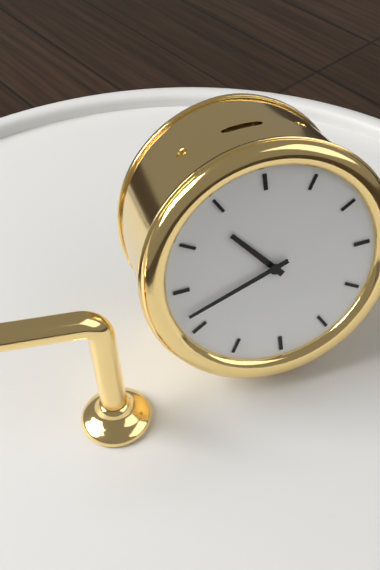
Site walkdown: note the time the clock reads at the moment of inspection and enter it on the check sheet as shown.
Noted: 10:42
